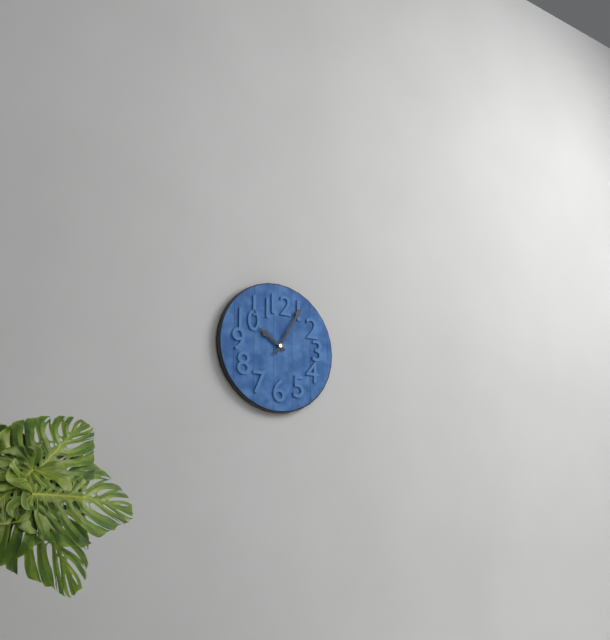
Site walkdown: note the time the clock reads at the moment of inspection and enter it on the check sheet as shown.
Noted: 10:05
